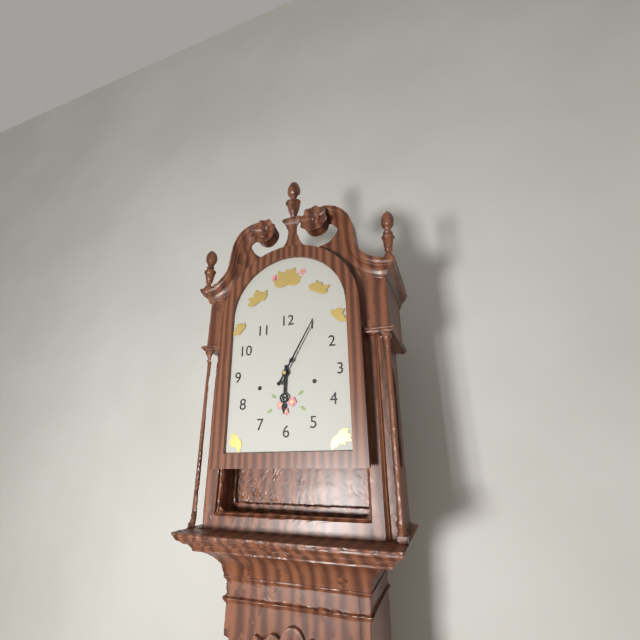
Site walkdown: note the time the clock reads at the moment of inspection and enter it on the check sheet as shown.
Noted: 6:05
